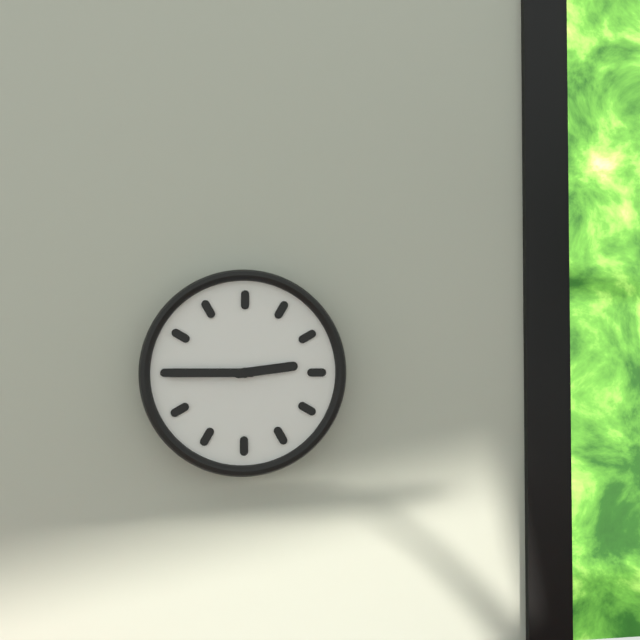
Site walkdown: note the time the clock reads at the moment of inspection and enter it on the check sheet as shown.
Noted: 2:45
